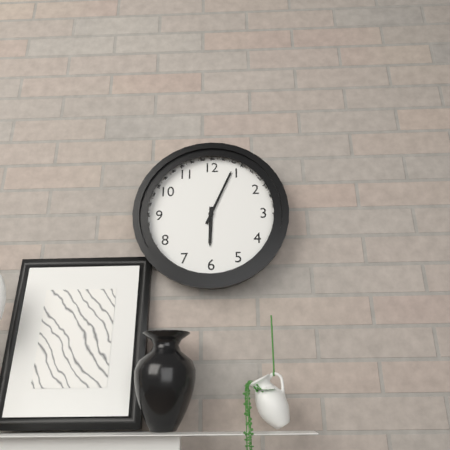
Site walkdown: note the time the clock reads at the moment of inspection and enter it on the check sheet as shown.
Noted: 6:04
